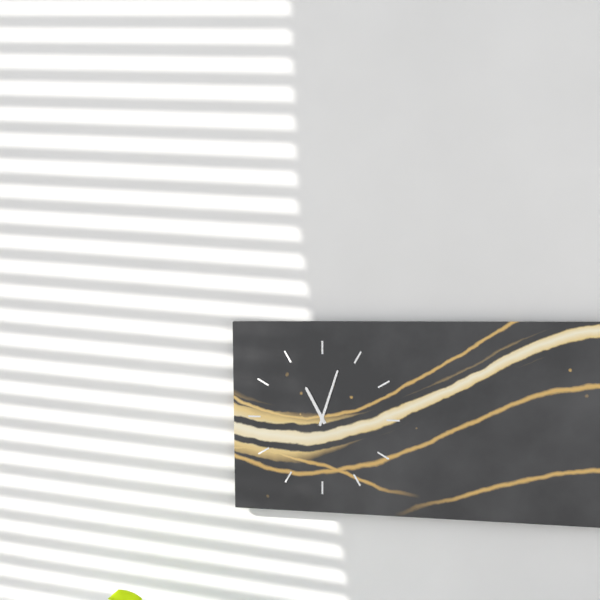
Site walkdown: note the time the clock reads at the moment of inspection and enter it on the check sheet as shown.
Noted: 11:03
